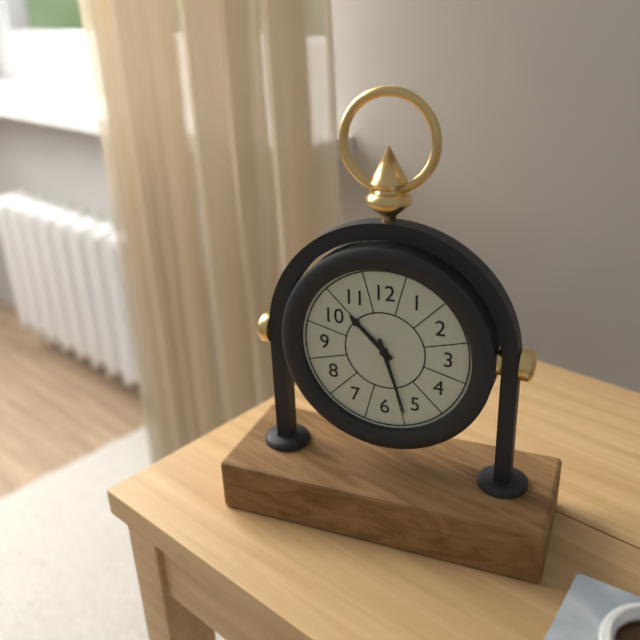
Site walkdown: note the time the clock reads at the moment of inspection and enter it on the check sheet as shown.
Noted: 10:27
